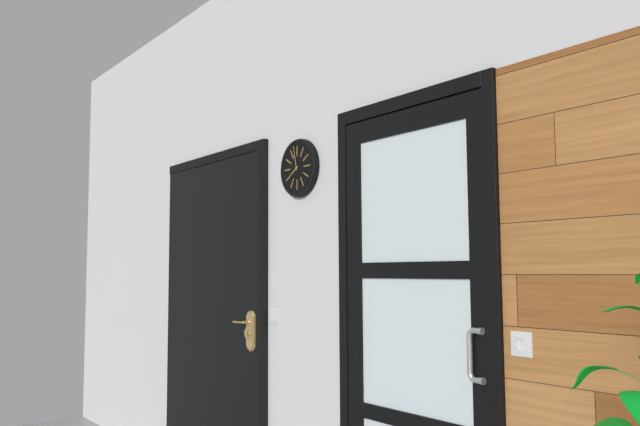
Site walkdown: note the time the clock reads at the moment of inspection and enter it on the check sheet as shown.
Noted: 7:58
